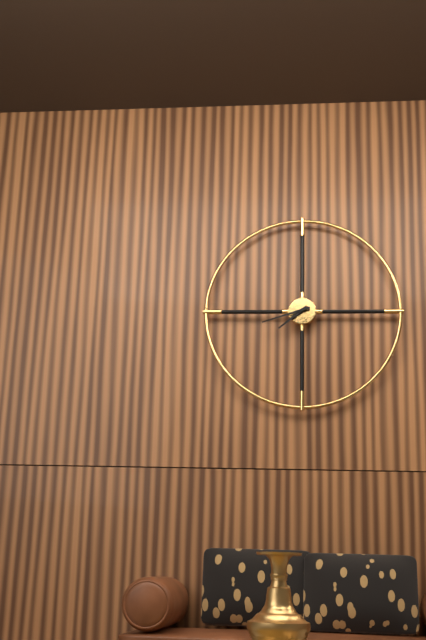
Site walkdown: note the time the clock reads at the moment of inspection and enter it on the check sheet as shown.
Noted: 7:42
